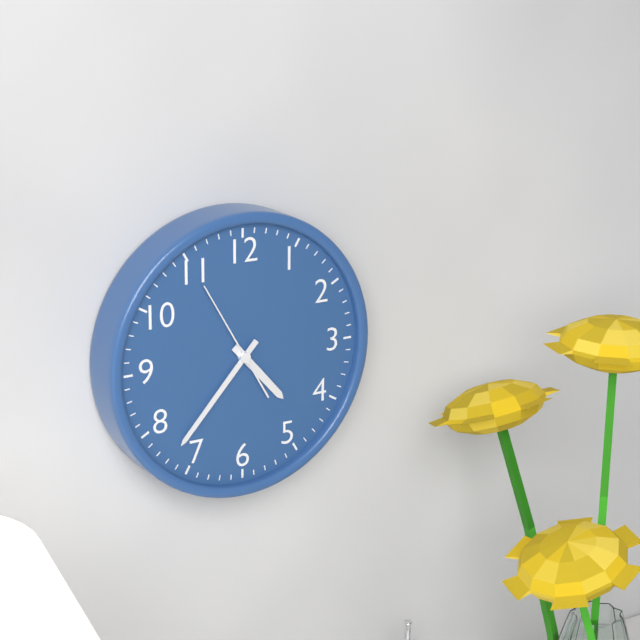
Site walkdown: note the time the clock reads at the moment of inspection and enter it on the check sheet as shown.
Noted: 4:37:55
